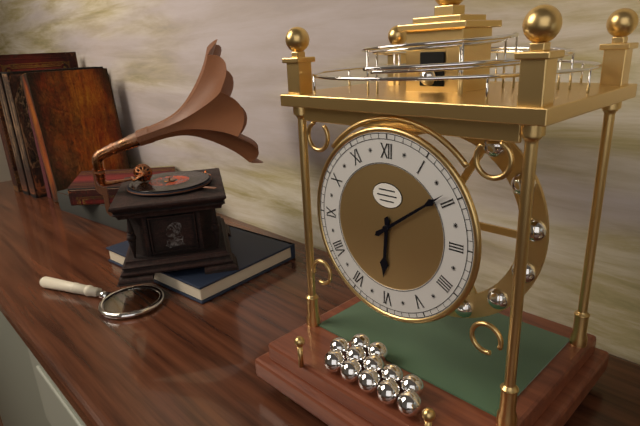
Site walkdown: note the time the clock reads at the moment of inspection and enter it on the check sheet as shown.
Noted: 6:09
